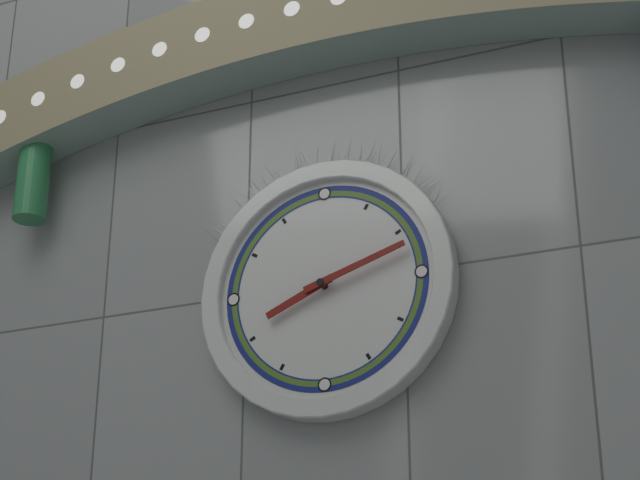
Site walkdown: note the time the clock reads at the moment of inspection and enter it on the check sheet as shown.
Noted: 8:12
